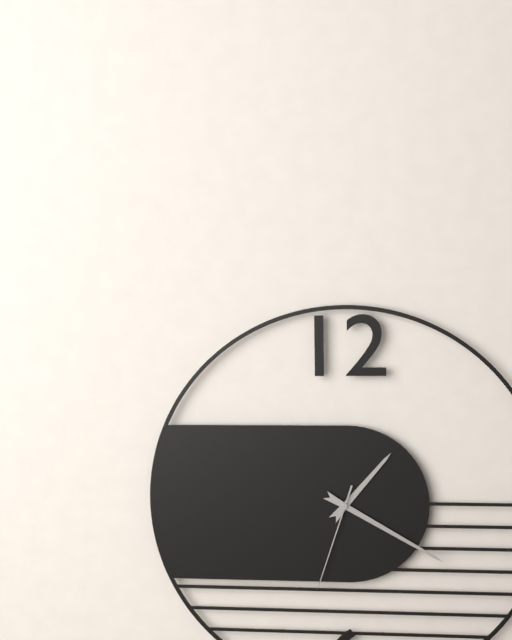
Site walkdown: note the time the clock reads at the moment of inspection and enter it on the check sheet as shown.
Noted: 1:20:33
